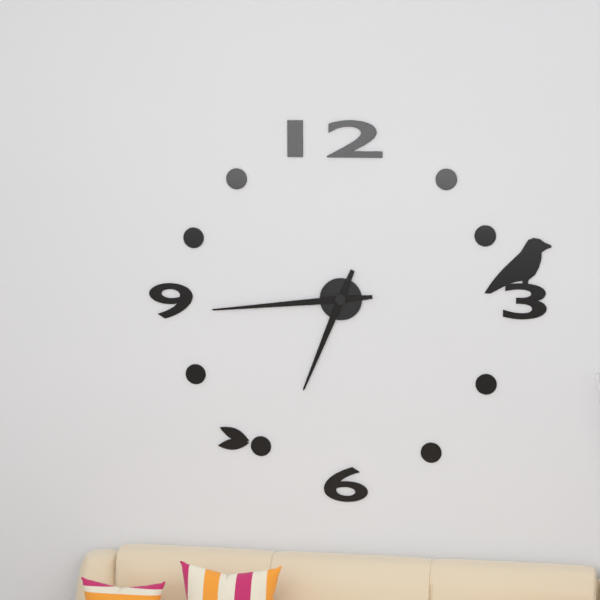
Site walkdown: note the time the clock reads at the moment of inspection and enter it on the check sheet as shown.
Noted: 6:44
